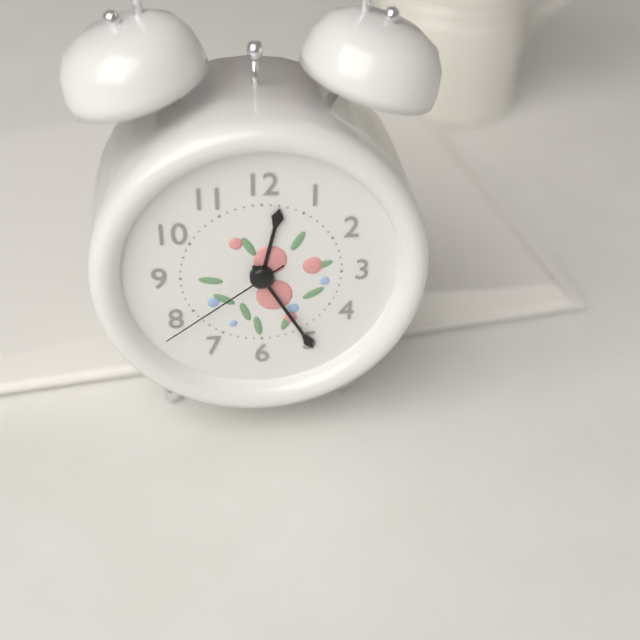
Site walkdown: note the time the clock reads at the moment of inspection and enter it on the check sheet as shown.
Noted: 12:25:39
